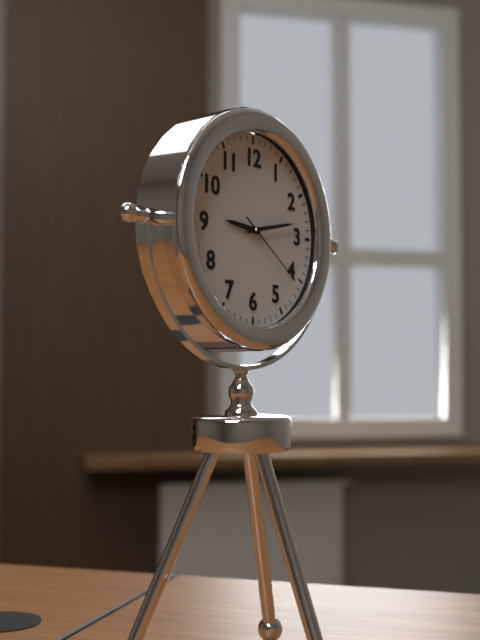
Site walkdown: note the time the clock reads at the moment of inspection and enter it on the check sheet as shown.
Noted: 9:13:21
